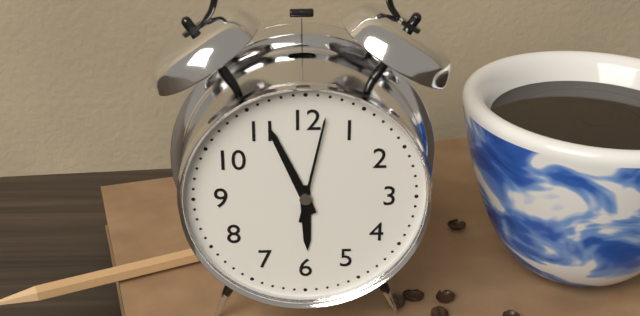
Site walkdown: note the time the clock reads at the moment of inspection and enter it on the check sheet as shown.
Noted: 5:56:02
